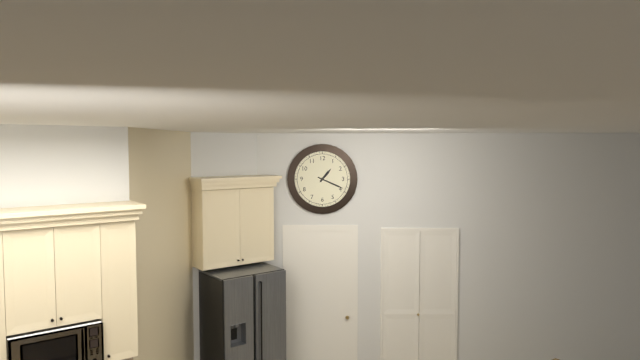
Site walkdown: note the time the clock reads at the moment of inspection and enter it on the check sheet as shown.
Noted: 1:19
